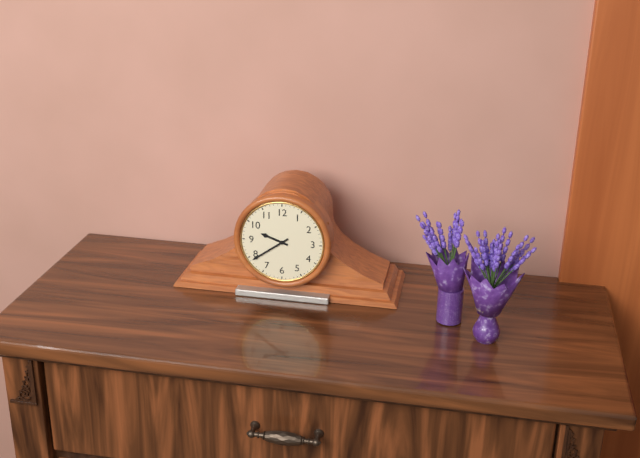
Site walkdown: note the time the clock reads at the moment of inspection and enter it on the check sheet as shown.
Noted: 9:39
